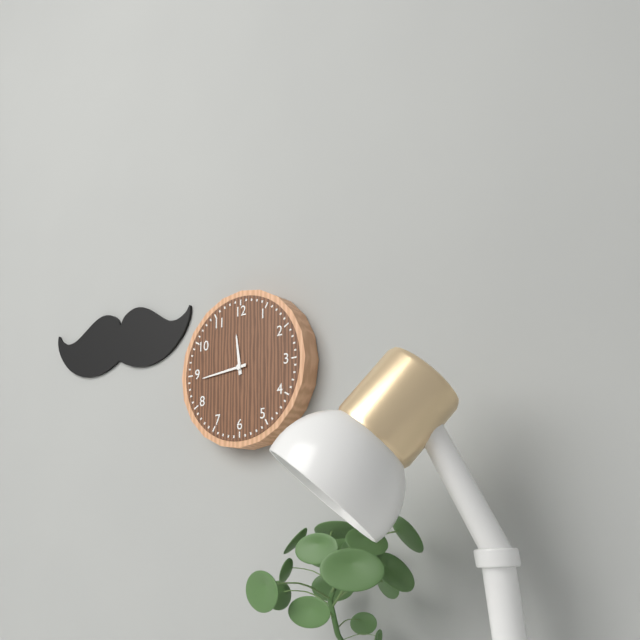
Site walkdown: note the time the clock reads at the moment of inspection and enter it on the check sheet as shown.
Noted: 11:44
